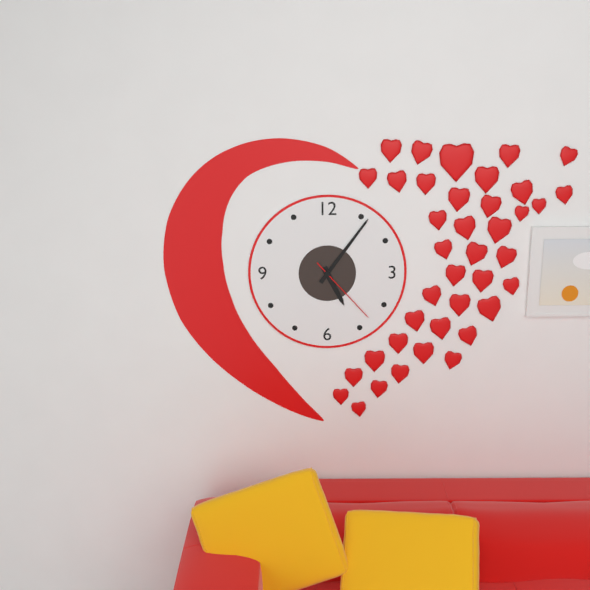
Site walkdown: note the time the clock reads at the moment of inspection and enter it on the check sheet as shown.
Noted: 5:06:23
